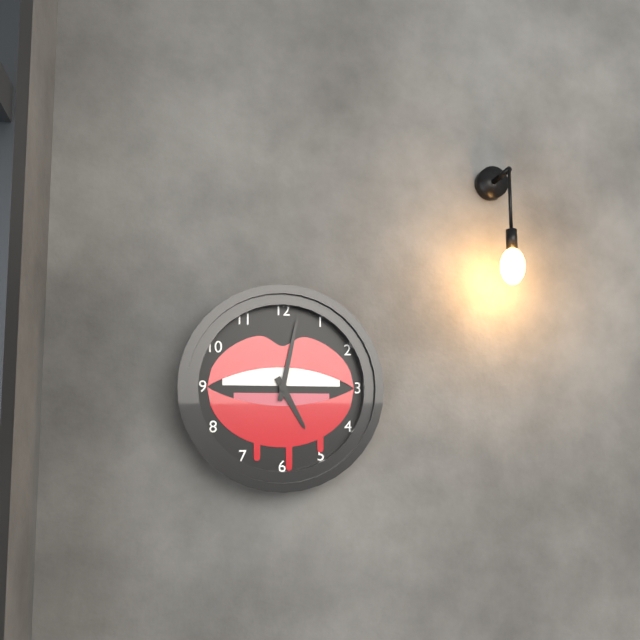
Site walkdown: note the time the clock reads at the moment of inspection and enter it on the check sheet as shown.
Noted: 5:02
